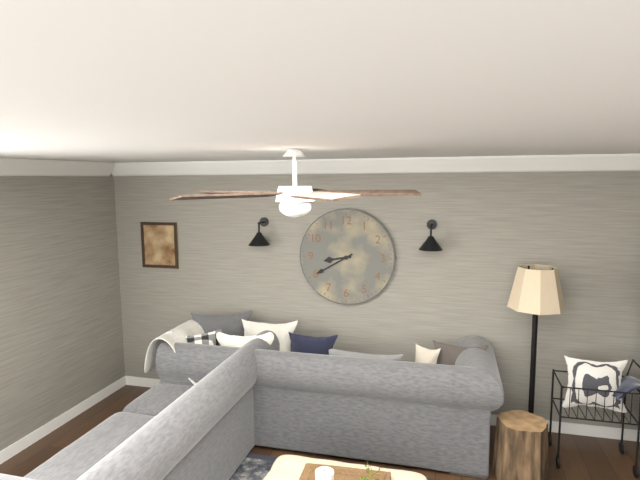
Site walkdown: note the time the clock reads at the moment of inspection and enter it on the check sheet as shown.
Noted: 8:40
